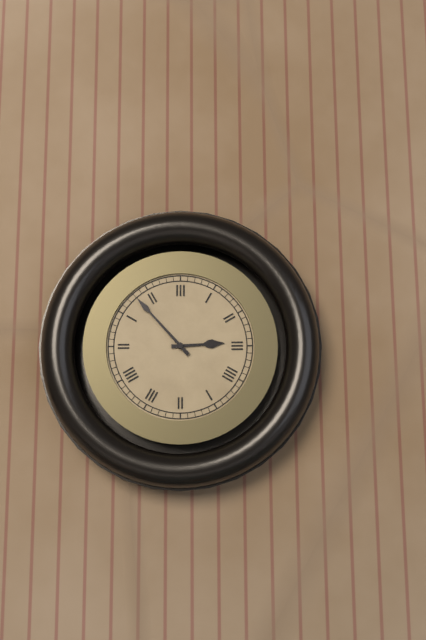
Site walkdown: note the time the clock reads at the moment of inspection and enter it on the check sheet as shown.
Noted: 2:53
